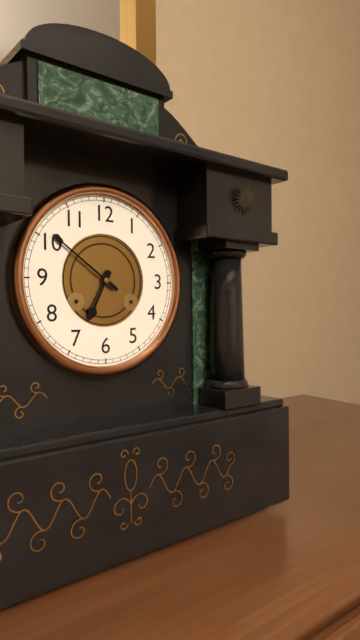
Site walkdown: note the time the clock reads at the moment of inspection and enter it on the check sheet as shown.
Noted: 6:51
